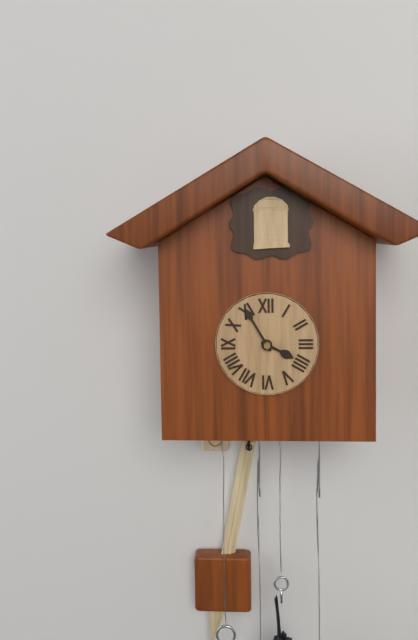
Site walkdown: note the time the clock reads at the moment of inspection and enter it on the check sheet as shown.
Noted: 3:55
